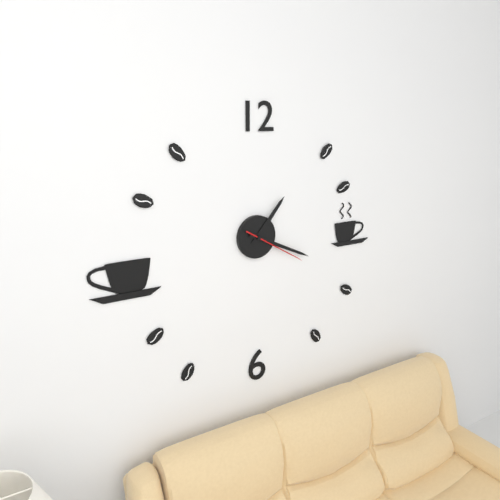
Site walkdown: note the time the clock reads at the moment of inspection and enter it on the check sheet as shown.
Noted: 1:19:20
